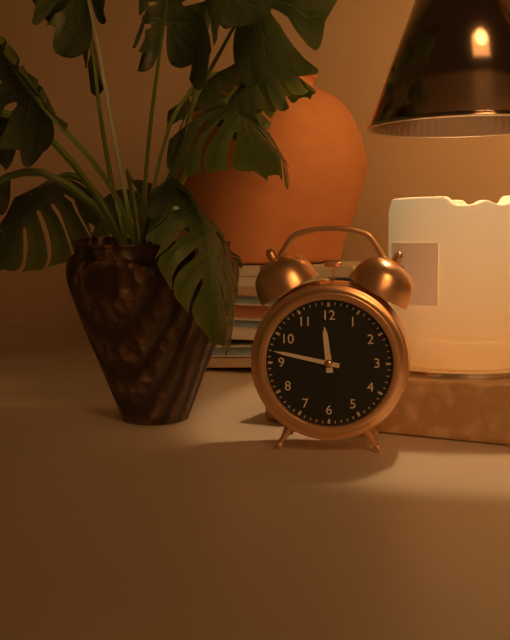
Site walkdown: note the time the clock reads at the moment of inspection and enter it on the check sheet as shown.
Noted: 11:47
